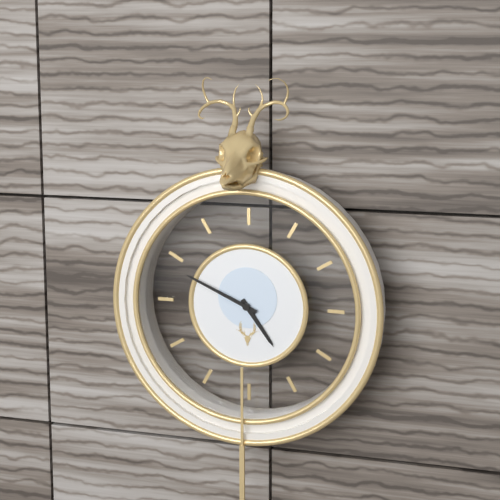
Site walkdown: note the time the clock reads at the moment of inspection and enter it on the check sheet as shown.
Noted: 4:49
